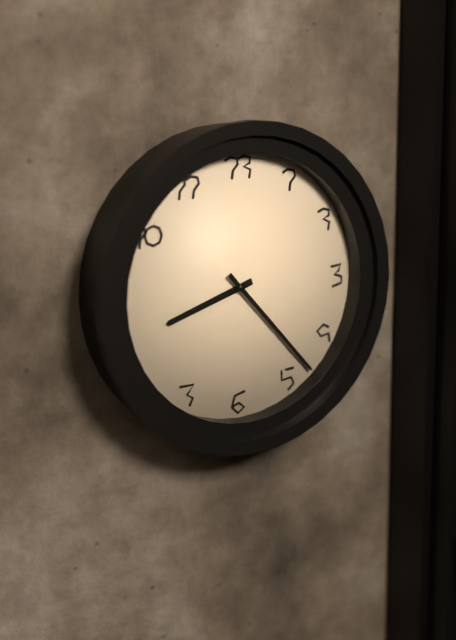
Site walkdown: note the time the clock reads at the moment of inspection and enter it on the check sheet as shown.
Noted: 8:23
